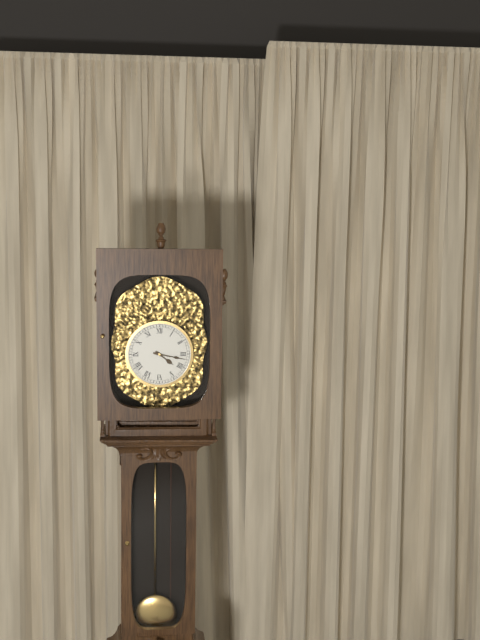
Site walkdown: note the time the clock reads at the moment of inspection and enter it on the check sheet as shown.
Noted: 4:17
